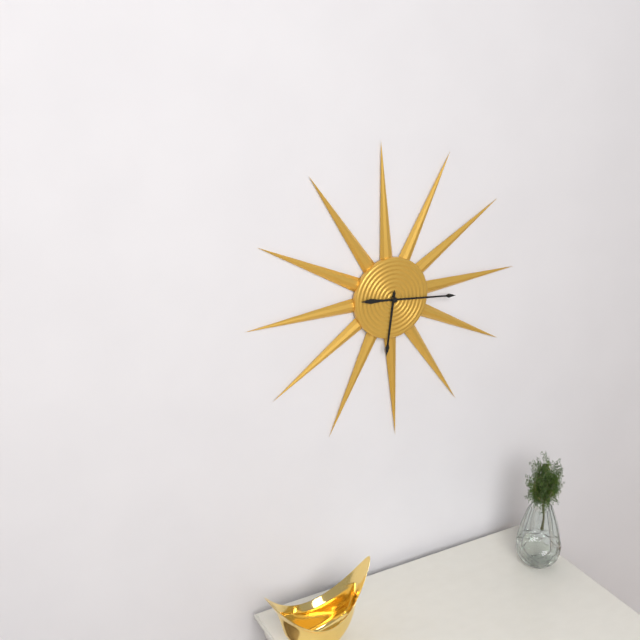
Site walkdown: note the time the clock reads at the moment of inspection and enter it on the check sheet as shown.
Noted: 6:16
